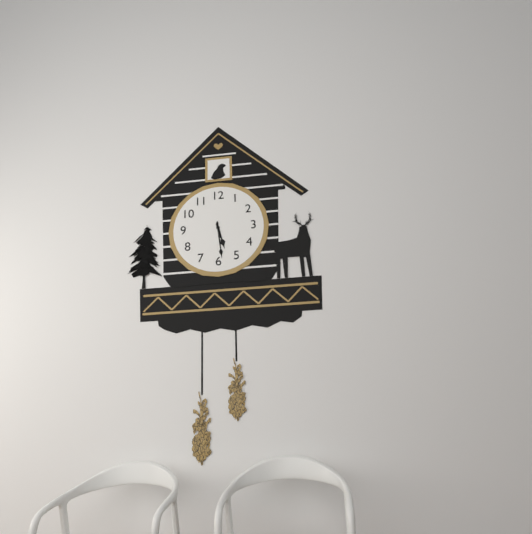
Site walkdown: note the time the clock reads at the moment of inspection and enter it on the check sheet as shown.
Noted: 5:29
